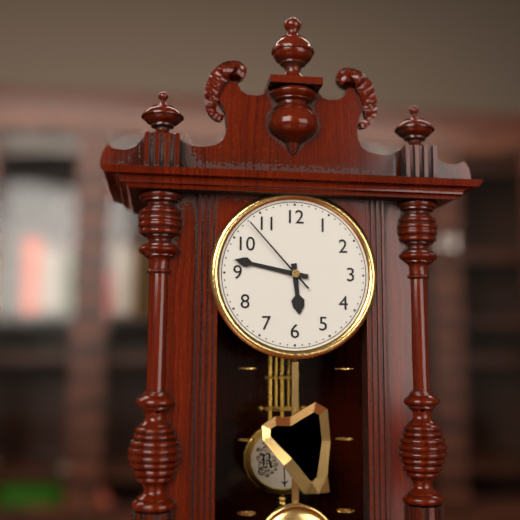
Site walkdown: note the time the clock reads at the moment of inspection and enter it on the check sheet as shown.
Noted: 5:47:53
